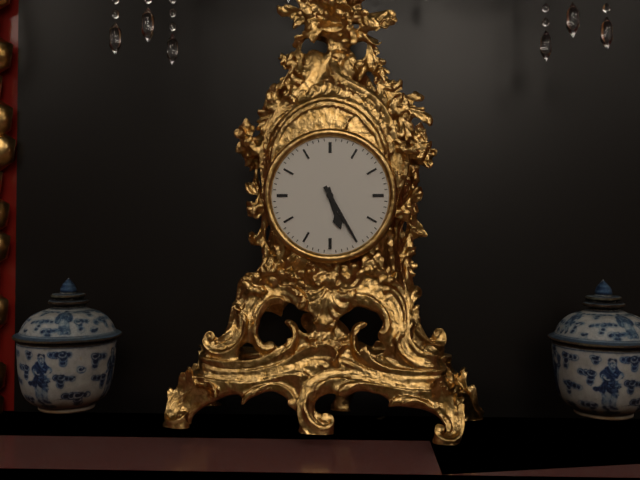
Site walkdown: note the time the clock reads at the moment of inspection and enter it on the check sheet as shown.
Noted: 5:25
